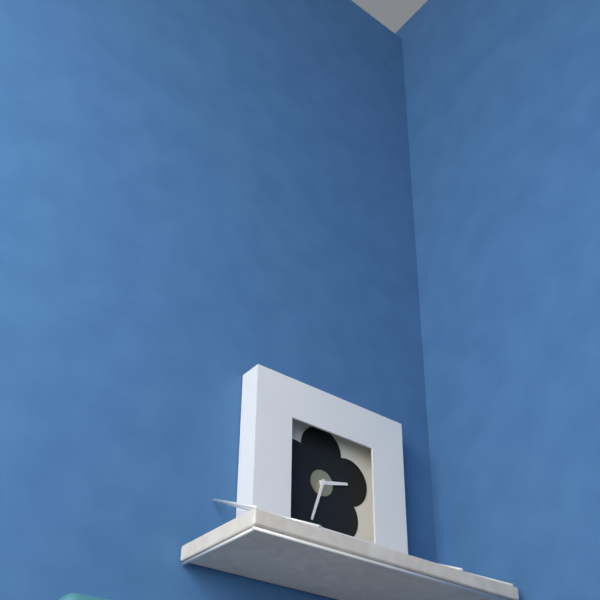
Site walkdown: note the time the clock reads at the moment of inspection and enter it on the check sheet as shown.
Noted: 2:33
